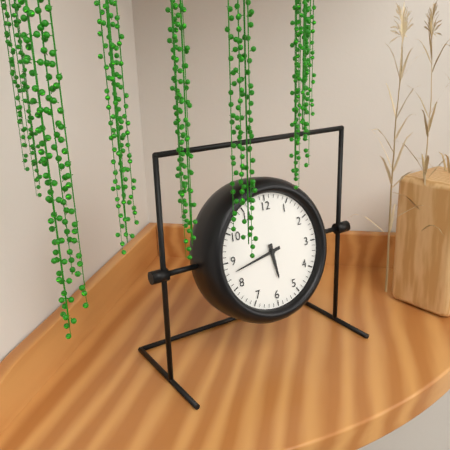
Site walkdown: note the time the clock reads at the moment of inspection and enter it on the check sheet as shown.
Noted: 5:43
